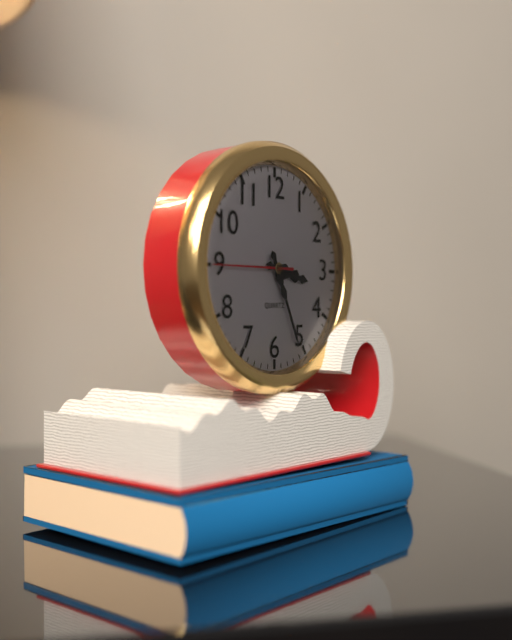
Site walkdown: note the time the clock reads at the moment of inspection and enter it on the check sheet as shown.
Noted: 3:26:45
